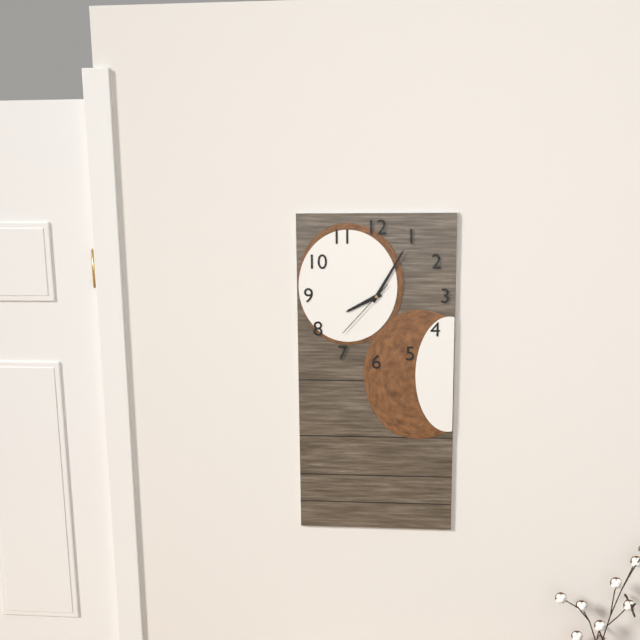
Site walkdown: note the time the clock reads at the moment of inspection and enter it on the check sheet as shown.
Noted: 8:05:37
